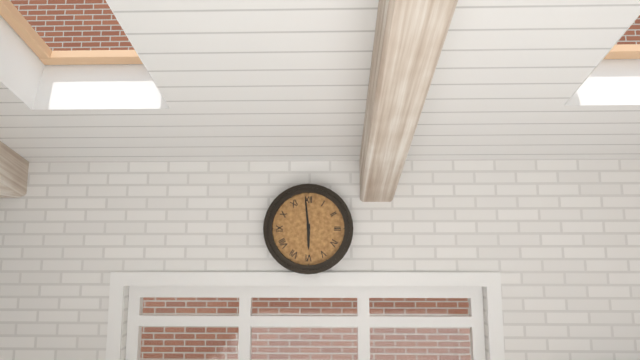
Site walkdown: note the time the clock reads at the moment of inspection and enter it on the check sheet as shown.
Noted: 5:59
